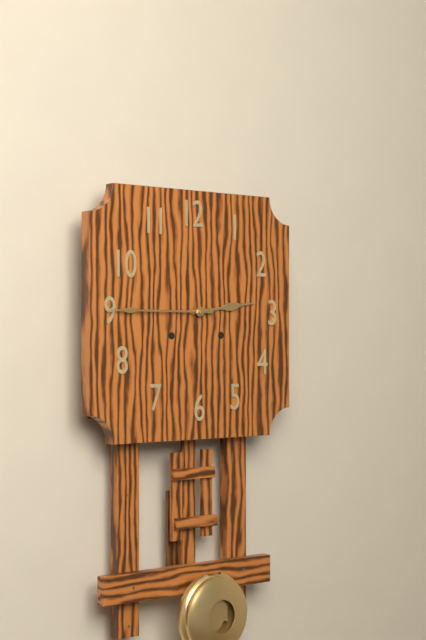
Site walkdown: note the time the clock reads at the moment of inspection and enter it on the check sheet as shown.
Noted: 2:45
